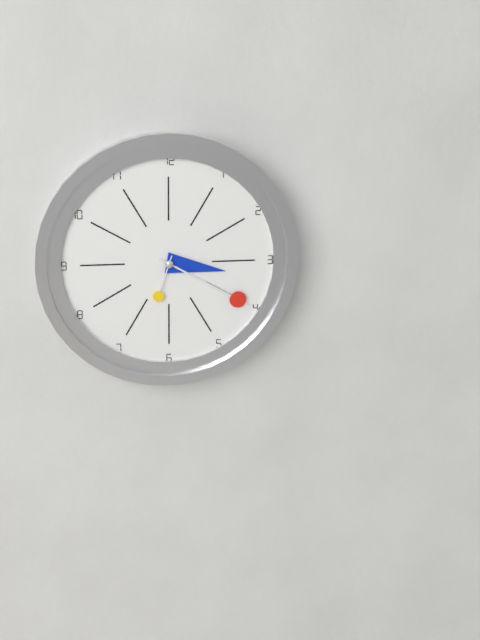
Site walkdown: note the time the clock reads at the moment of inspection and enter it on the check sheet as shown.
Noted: 3:20:33
